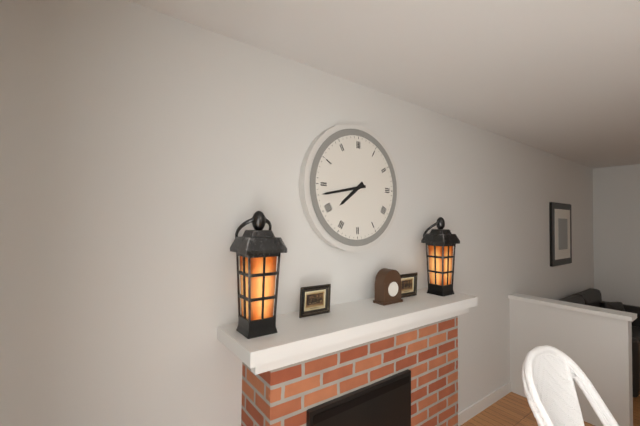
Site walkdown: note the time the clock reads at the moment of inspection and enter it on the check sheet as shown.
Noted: 7:43
